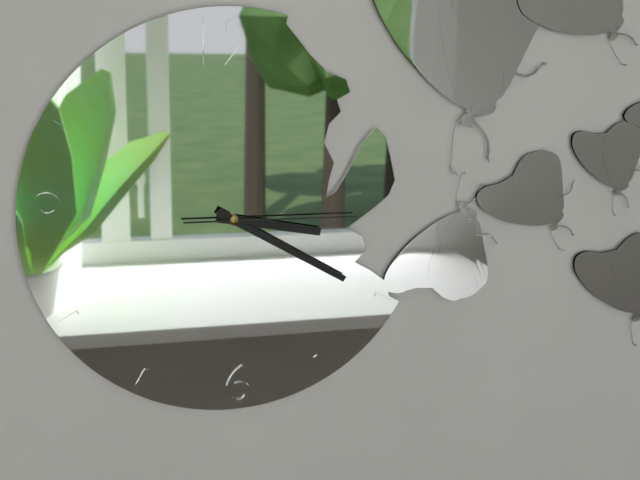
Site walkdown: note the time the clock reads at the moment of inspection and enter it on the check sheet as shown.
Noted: 3:20:15
